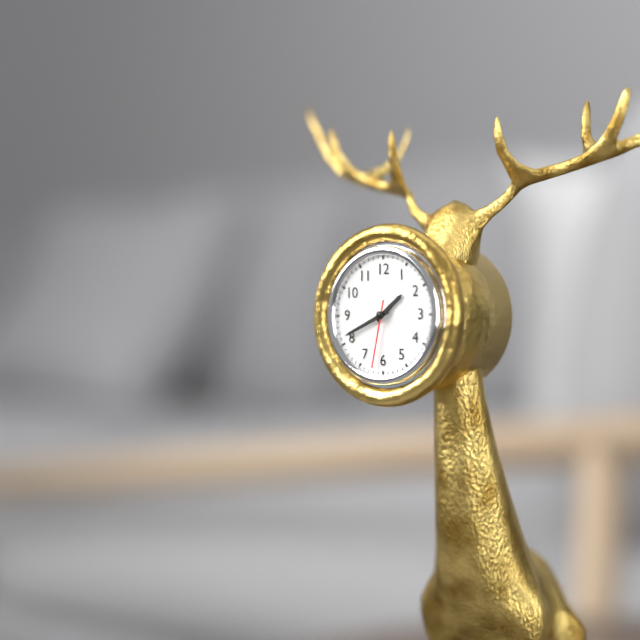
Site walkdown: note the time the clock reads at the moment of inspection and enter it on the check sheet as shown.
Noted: 1:41:32
